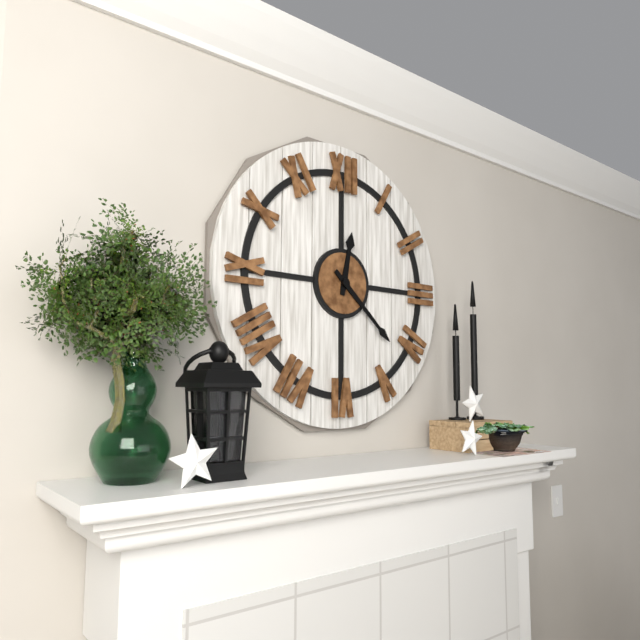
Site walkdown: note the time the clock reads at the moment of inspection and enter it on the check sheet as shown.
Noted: 12:22
